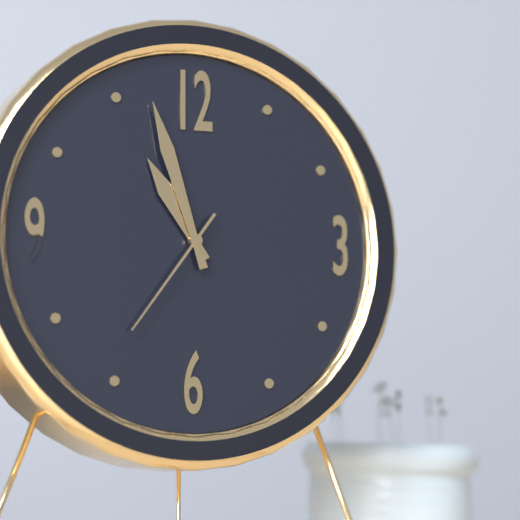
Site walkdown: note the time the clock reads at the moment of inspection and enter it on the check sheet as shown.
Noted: 10:57:36
